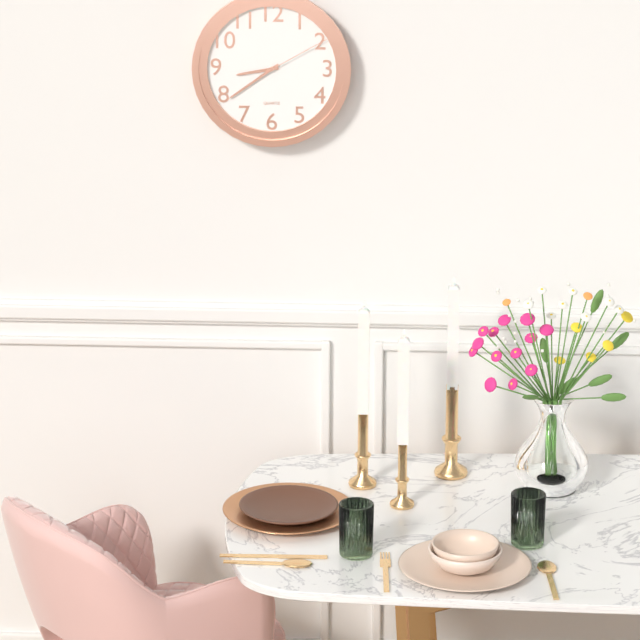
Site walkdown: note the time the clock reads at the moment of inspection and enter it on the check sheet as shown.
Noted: 8:39:10
